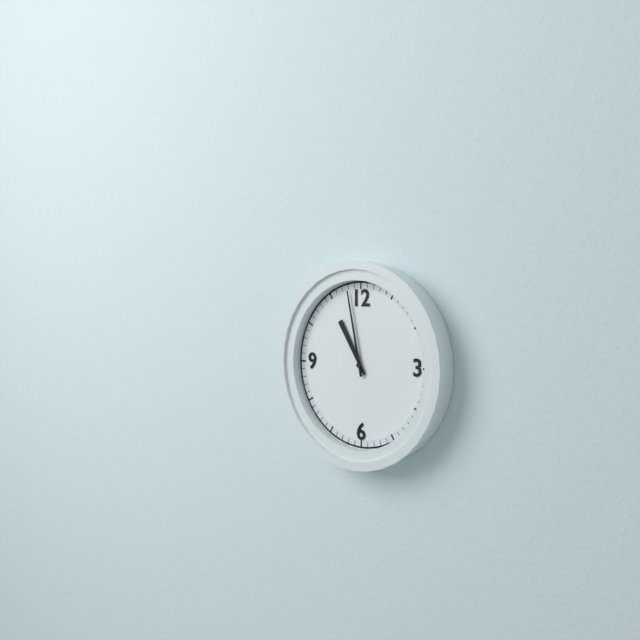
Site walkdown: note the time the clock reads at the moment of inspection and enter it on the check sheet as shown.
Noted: 10:58
